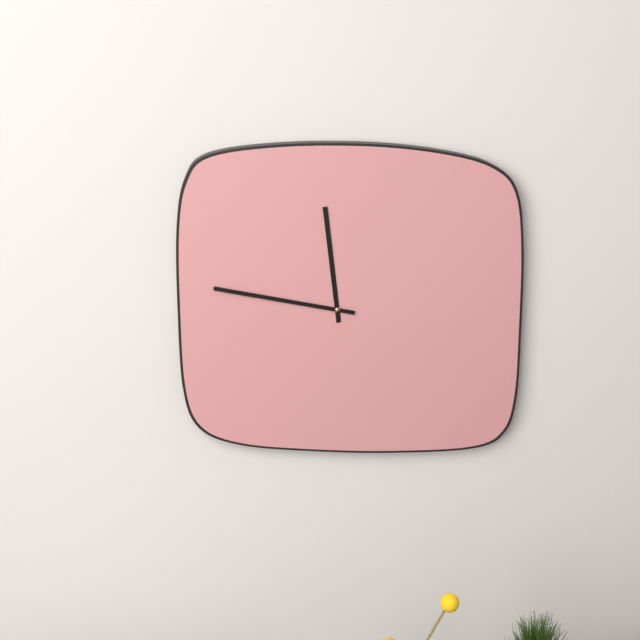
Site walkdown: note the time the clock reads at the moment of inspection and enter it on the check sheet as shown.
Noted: 11:47
